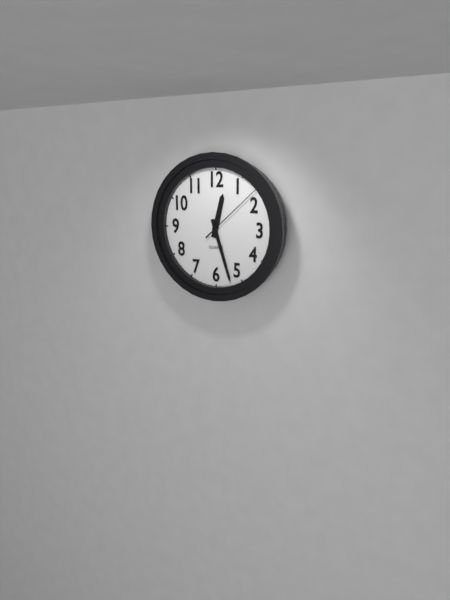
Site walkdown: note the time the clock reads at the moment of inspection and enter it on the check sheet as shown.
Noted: 12:27:08
